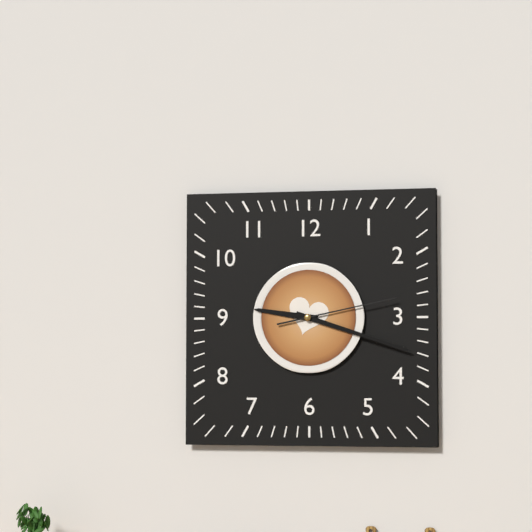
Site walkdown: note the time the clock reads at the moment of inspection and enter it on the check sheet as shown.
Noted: 9:18:13
